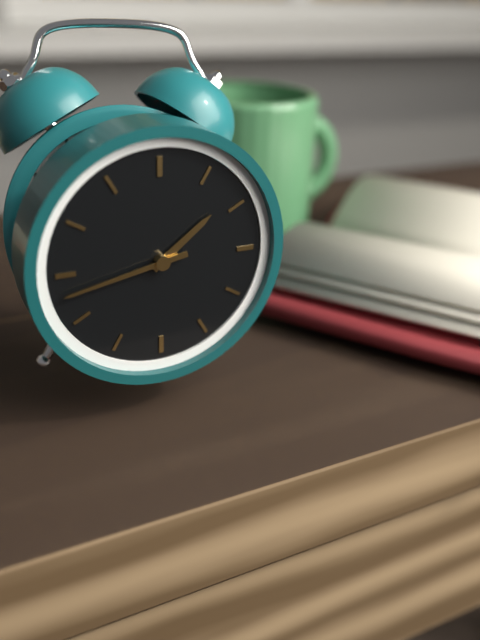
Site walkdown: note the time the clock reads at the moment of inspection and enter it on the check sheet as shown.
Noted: 1:43
